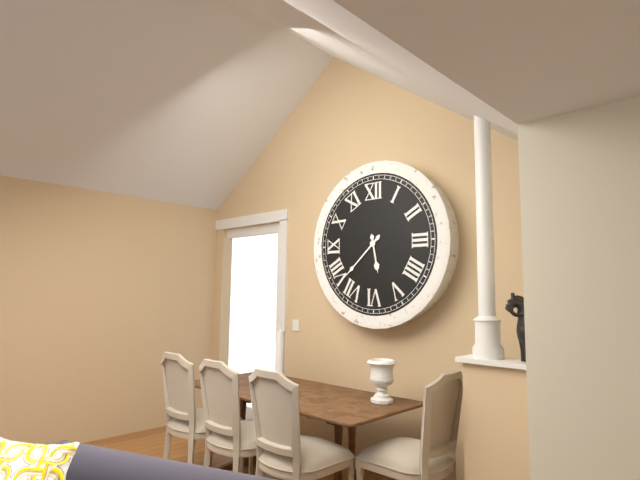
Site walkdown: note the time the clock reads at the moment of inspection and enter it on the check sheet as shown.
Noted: 5:38
